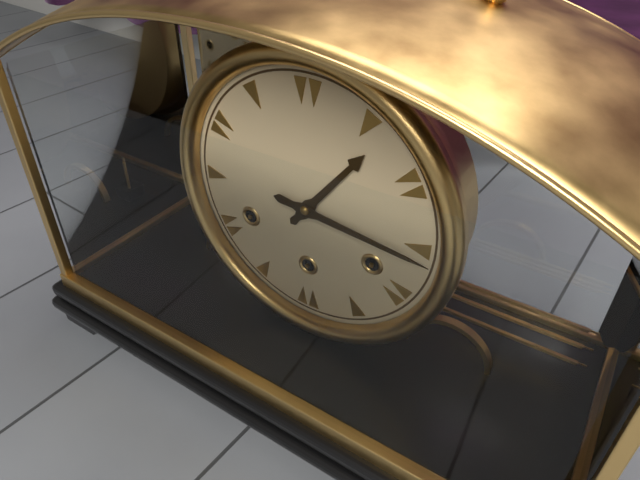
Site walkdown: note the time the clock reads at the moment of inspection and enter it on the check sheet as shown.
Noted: 1:16
